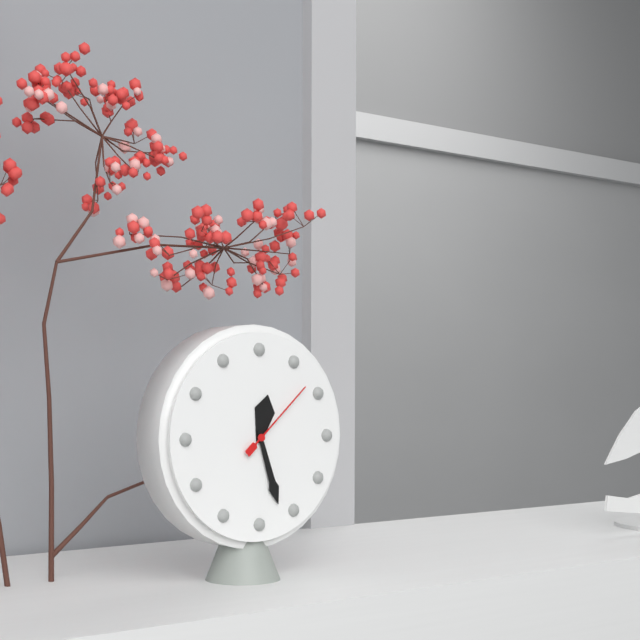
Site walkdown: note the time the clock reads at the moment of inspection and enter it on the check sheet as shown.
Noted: 12:27:08
